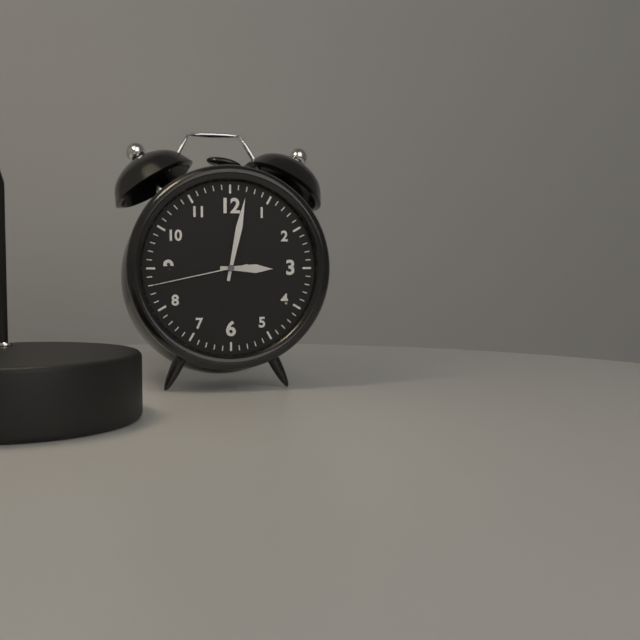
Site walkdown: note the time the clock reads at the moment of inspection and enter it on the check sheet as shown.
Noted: 3:02:43
